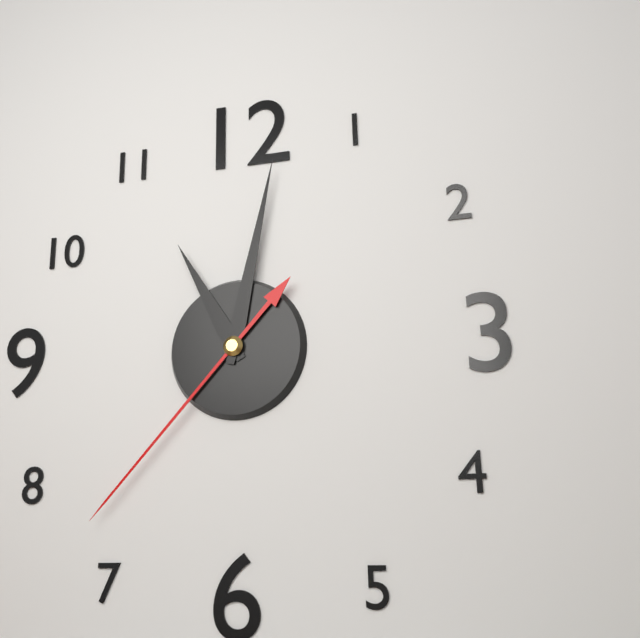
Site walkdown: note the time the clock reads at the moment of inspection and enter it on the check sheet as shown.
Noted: 11:02:37
